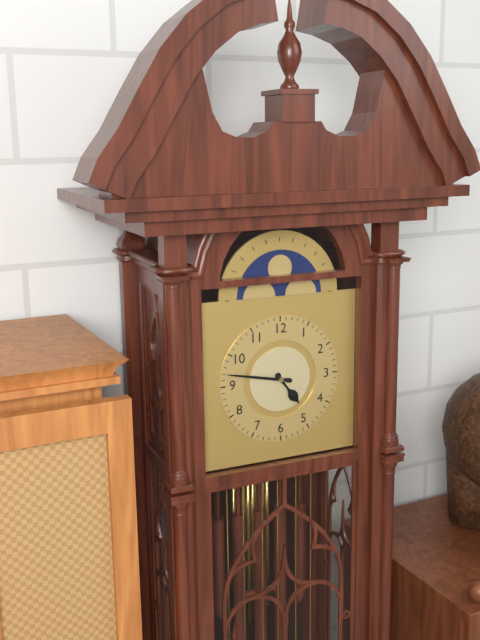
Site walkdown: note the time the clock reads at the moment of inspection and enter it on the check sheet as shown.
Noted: 4:47
